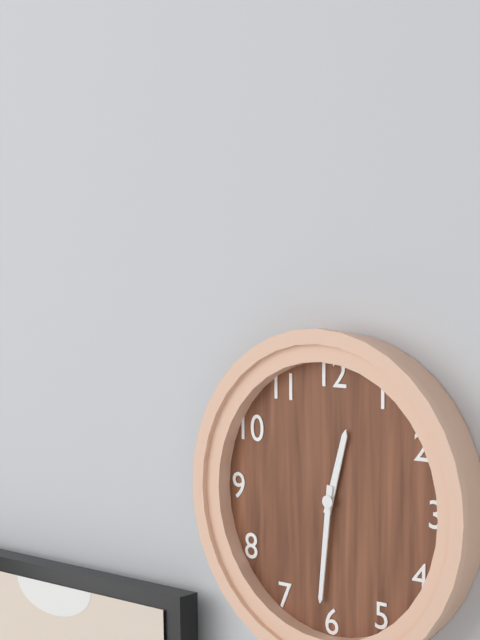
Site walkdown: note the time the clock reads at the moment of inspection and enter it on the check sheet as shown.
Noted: 12:31
